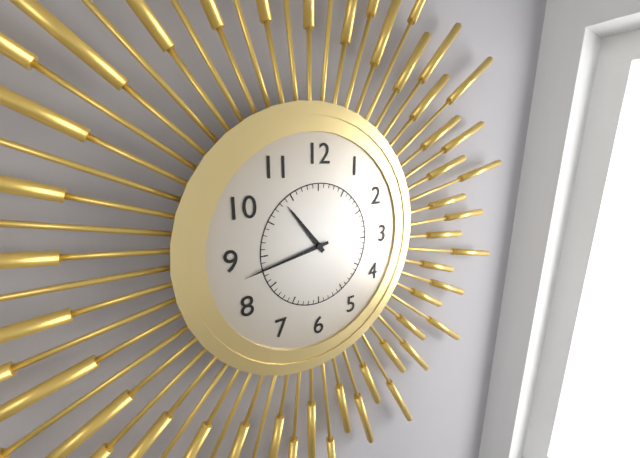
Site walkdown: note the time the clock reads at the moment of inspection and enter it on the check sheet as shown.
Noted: 10:43
